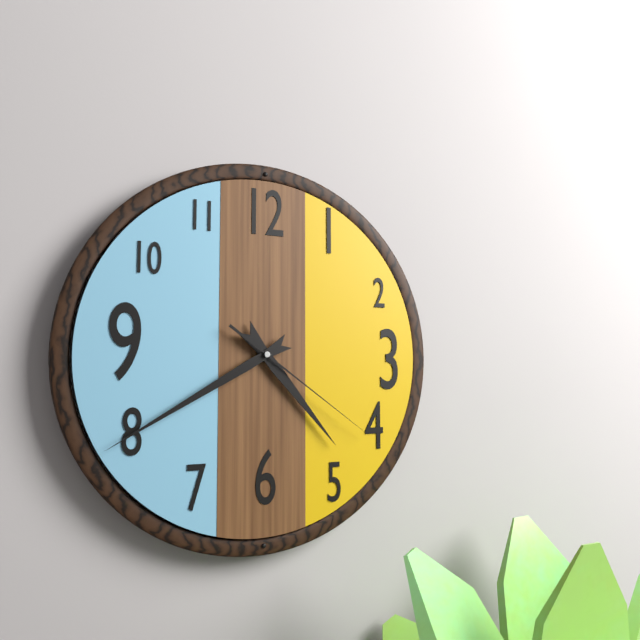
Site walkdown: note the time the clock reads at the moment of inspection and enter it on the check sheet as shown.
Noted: 4:40:21
